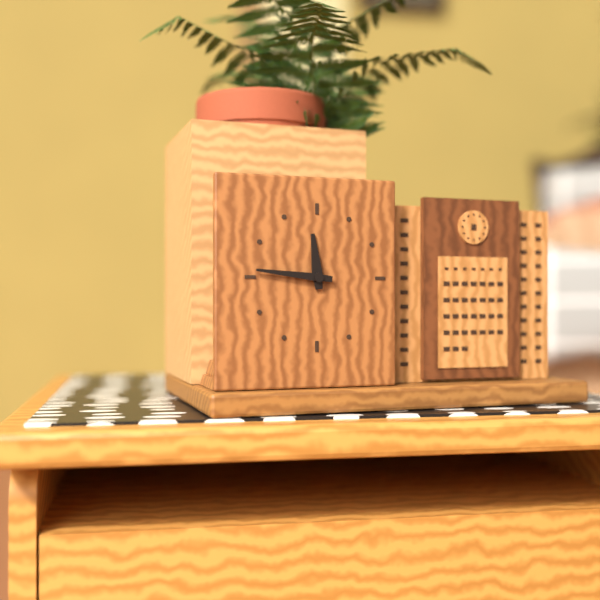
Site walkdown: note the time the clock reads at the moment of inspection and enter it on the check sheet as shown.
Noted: 11:46
